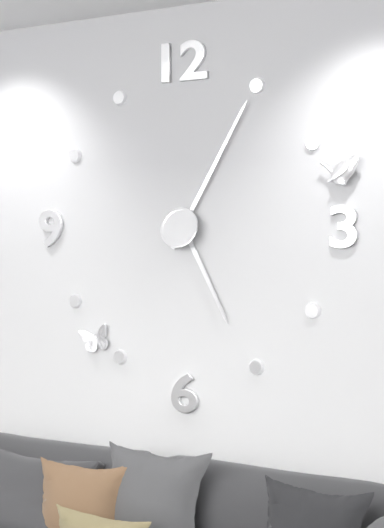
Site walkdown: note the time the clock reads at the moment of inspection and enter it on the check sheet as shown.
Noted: 5:05
